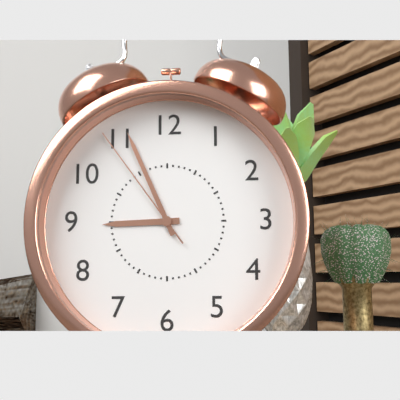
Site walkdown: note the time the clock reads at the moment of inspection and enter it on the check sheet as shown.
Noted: 8:56:54
